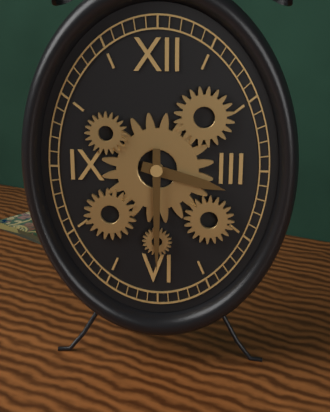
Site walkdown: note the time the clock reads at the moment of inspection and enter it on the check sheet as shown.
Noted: 3:30
